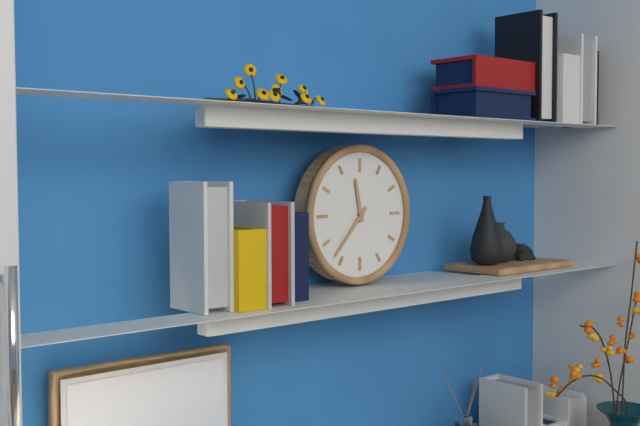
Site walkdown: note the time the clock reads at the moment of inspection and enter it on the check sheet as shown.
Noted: 11:37
